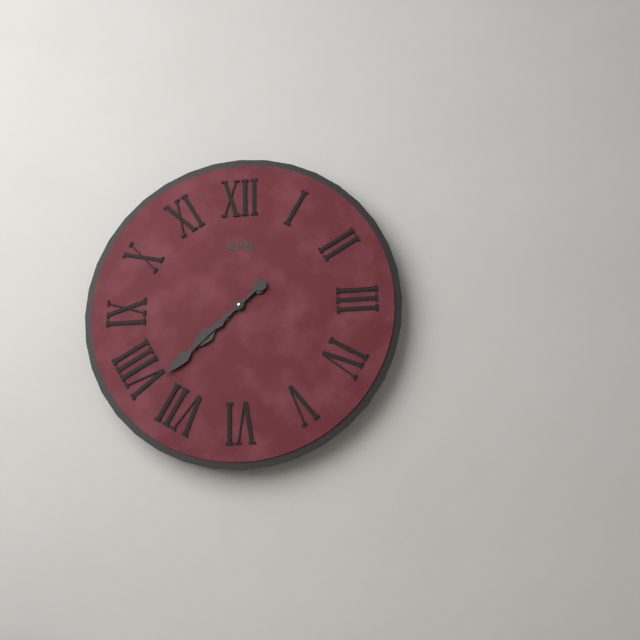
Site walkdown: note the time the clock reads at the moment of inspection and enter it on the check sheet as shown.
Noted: 7:38
